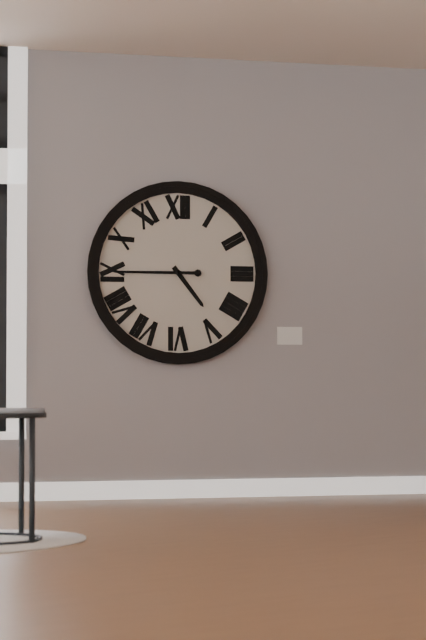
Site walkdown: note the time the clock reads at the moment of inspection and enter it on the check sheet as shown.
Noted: 4:45
